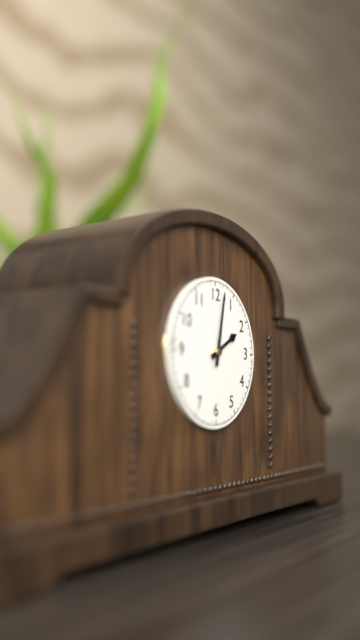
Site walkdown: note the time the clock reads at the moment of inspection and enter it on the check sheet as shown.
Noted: 2:02
